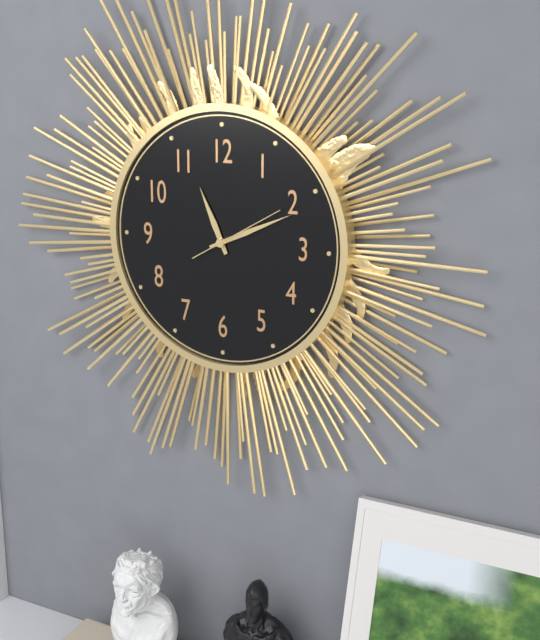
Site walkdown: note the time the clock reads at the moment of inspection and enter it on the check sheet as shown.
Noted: 11:11:10
